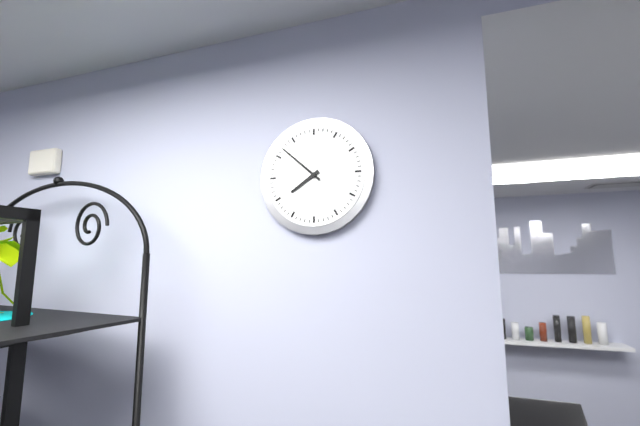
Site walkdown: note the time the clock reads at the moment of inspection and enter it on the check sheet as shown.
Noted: 7:52
